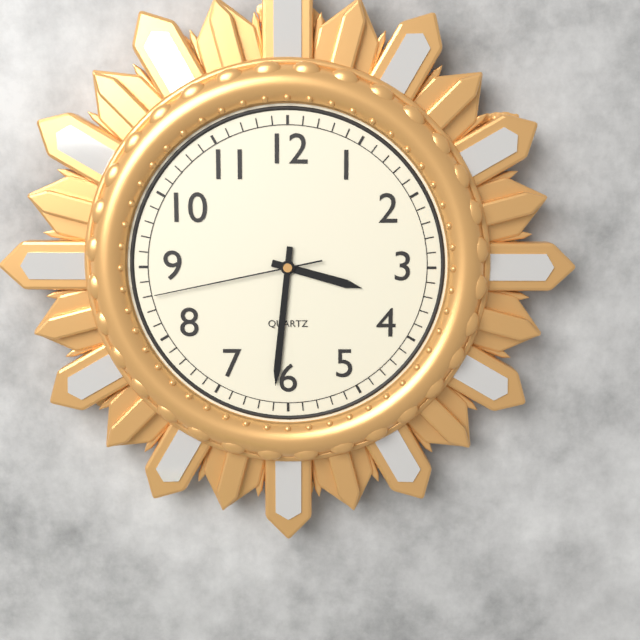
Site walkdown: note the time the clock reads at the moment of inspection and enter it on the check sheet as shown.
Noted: 3:31:43
